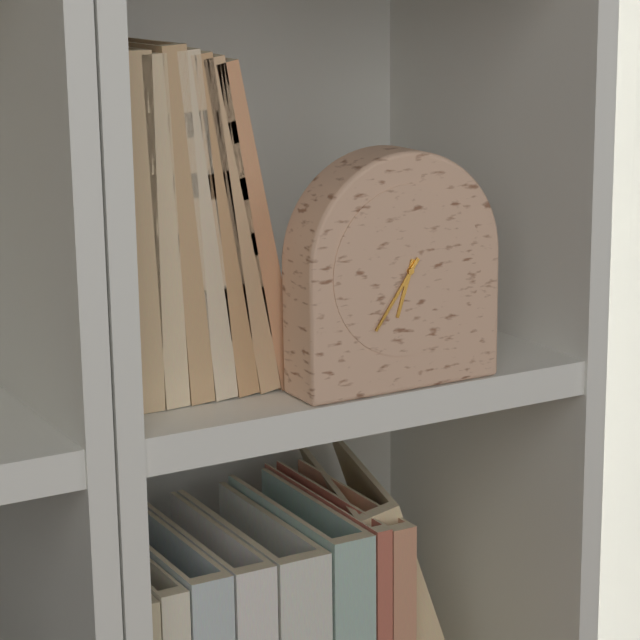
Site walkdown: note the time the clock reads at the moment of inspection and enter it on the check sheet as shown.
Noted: 6:36
